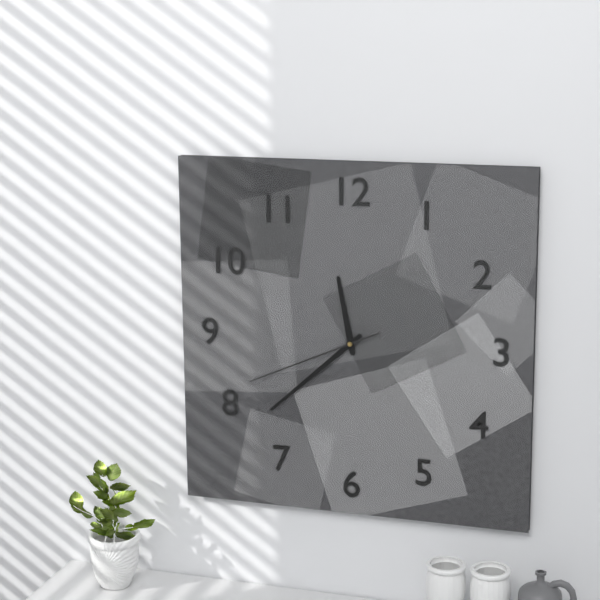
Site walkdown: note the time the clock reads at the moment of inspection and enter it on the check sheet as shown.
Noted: 11:38:41
